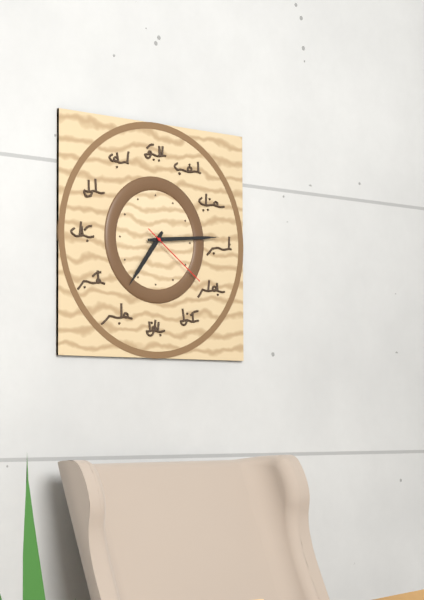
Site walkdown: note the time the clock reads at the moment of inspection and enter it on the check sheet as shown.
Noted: 7:14:21
